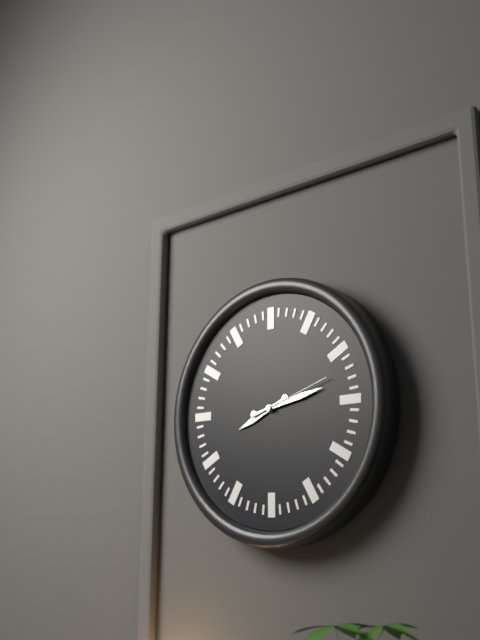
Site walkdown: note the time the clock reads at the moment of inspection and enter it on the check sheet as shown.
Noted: 8:13:12
